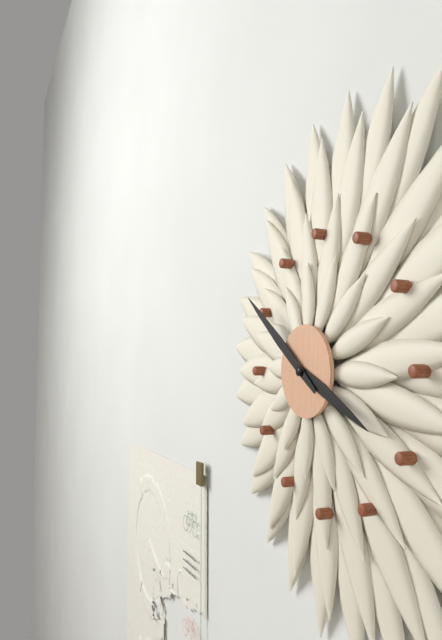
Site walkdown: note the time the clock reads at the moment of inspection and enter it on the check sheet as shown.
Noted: 3:51
